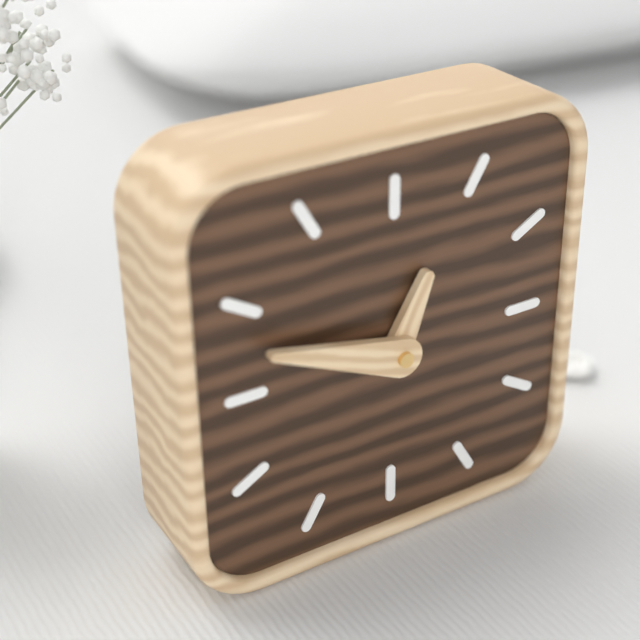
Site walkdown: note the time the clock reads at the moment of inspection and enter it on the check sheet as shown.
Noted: 12:48
